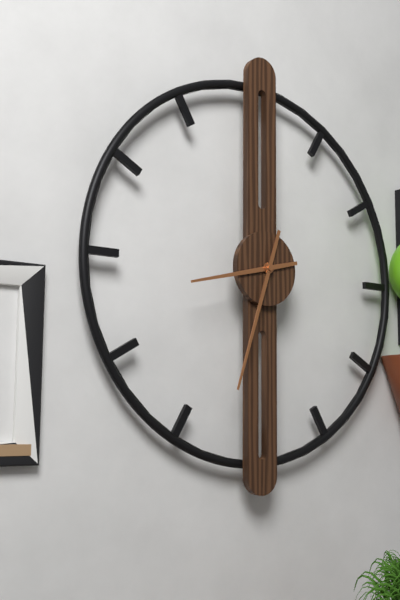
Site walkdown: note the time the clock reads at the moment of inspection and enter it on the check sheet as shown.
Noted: 8:33
